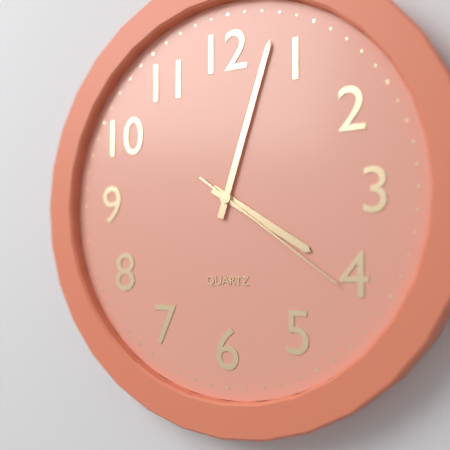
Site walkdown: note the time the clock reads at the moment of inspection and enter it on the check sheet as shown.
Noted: 4:03:21
